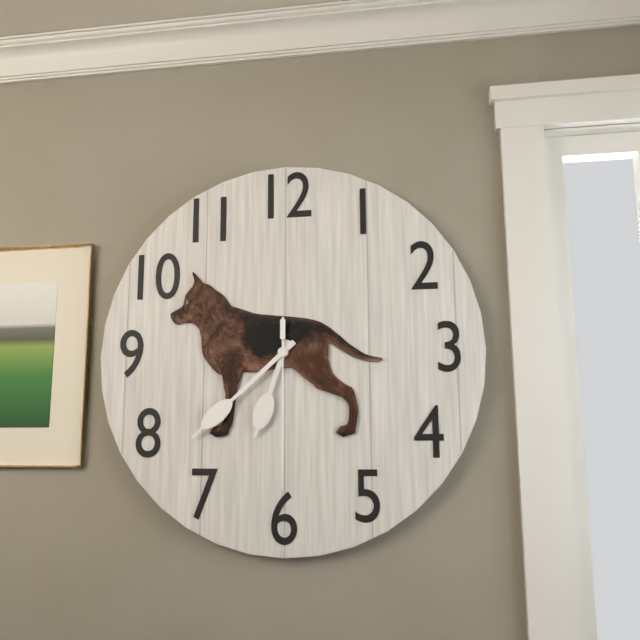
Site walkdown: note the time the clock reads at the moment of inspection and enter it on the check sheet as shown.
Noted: 6:38:30
